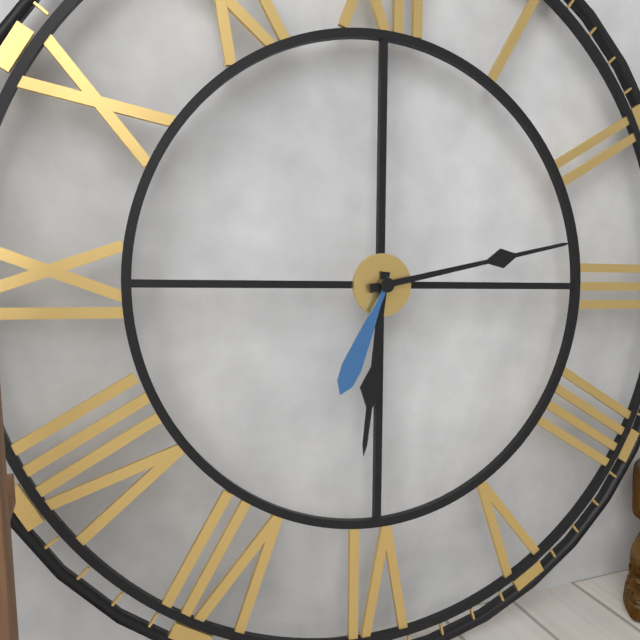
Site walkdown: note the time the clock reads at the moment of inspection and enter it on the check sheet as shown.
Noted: 6:13:34
